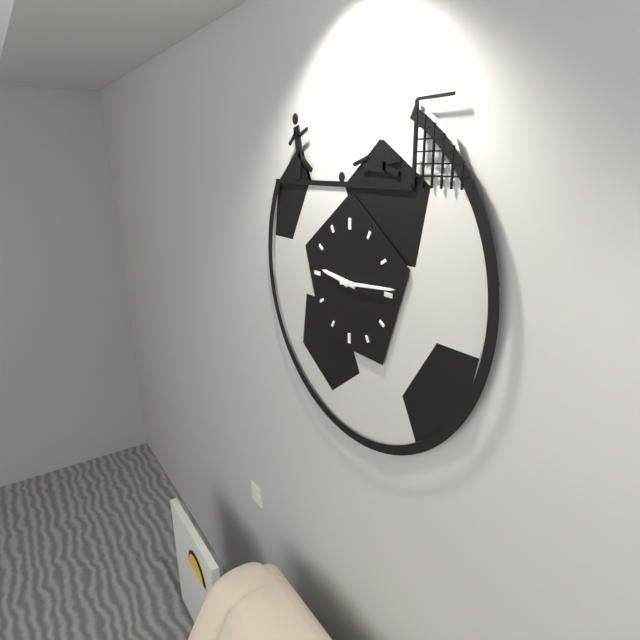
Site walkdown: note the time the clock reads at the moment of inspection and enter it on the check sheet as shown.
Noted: 9:14
